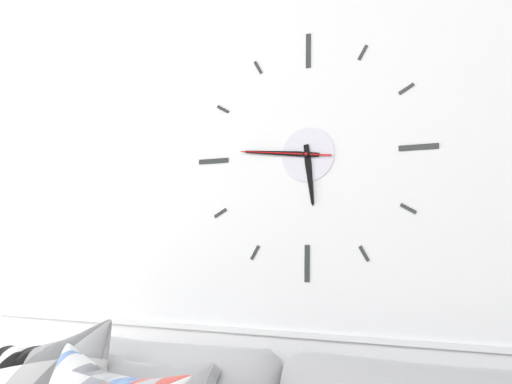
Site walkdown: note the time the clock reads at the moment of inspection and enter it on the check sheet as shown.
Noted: 5:46:46
